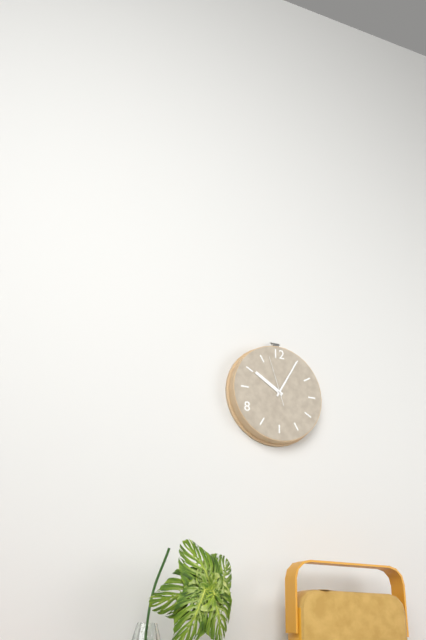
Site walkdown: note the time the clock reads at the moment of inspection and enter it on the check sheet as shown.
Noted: 10:05
